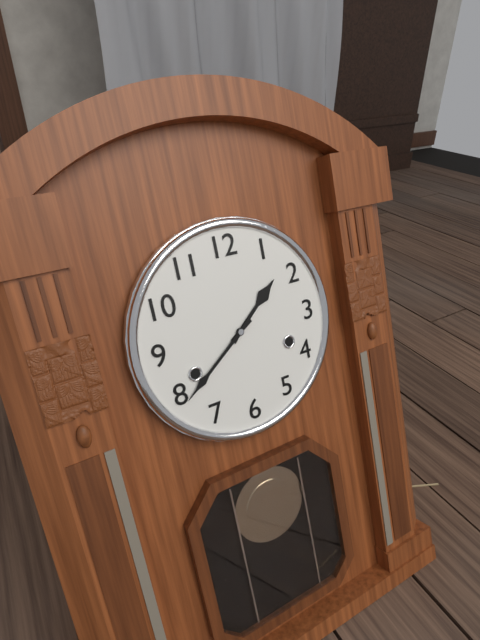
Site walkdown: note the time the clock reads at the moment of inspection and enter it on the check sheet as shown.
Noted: 1:39
